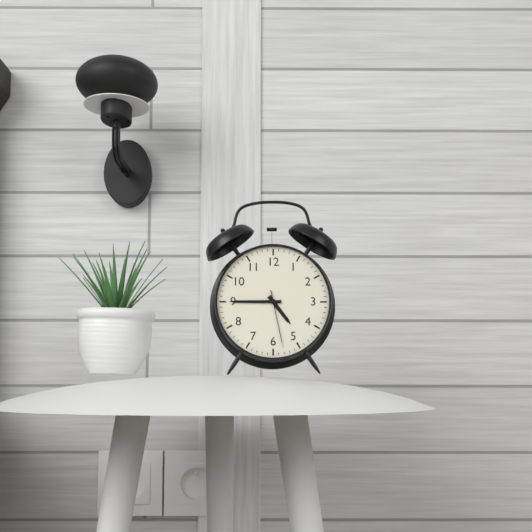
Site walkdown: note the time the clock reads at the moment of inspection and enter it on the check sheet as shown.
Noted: 4:45:28
